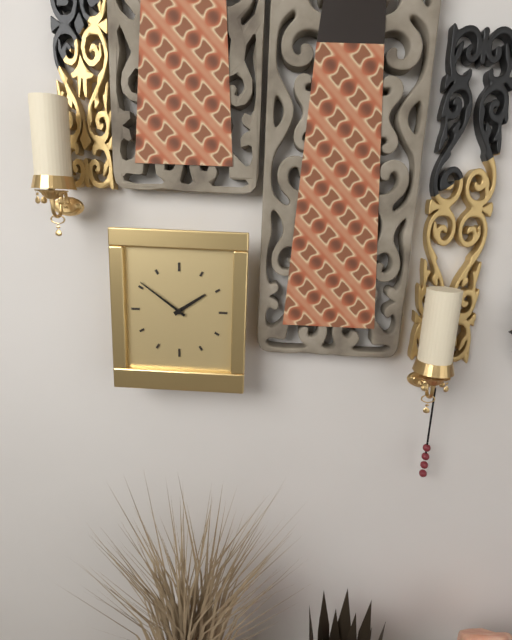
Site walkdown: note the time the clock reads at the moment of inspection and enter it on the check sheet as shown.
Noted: 1:51
